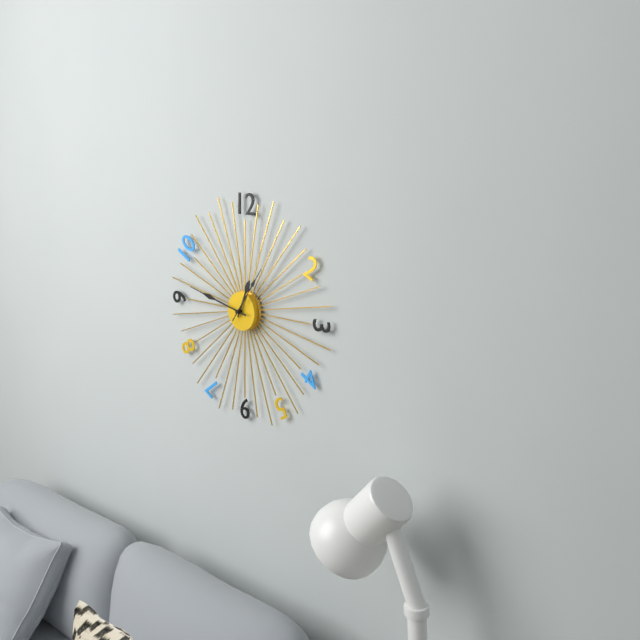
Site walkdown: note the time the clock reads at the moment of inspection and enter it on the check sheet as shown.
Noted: 12:47:06
